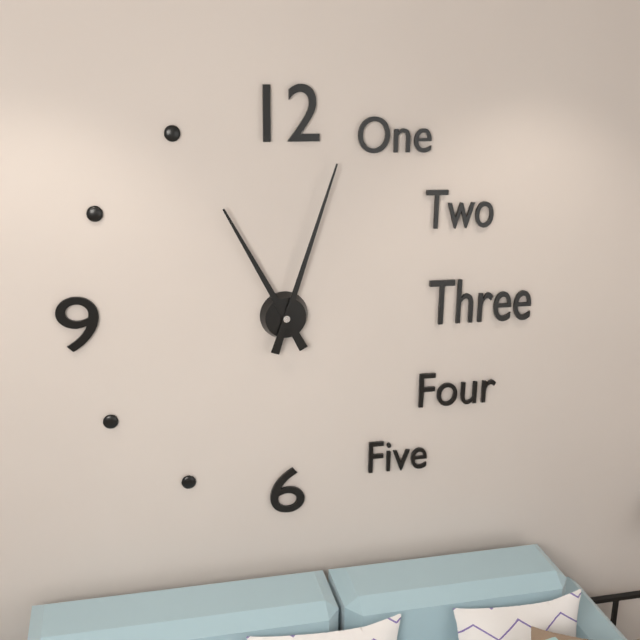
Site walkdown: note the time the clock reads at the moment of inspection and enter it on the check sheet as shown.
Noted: 11:03
